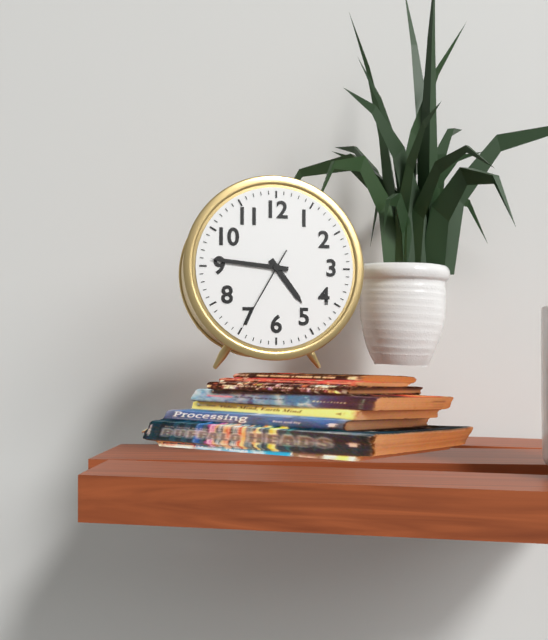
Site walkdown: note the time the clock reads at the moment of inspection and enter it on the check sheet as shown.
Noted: 4:46:35
